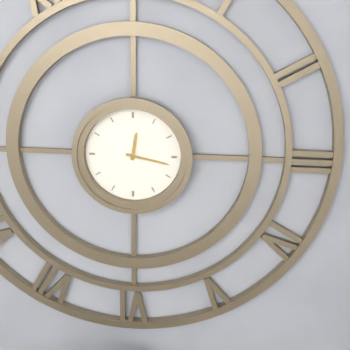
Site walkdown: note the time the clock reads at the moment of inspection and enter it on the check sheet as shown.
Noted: 12:17
